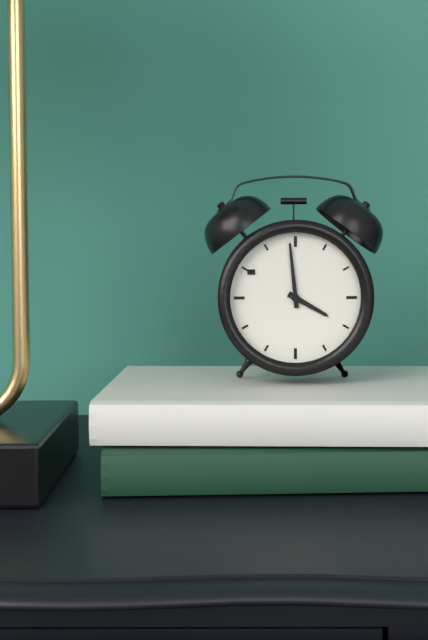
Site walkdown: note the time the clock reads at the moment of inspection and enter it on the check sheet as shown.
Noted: 3:59
